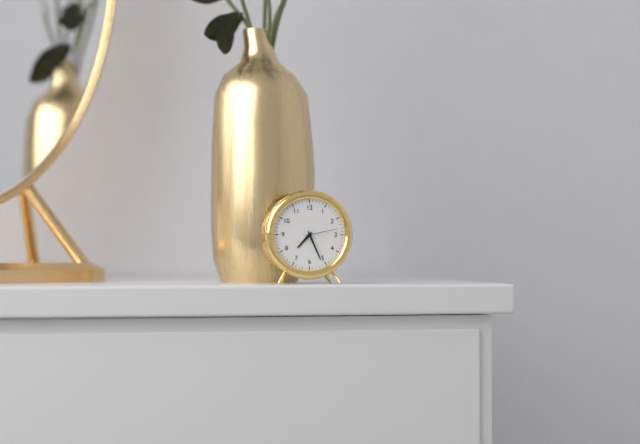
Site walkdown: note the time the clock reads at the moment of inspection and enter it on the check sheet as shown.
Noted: 7:26
